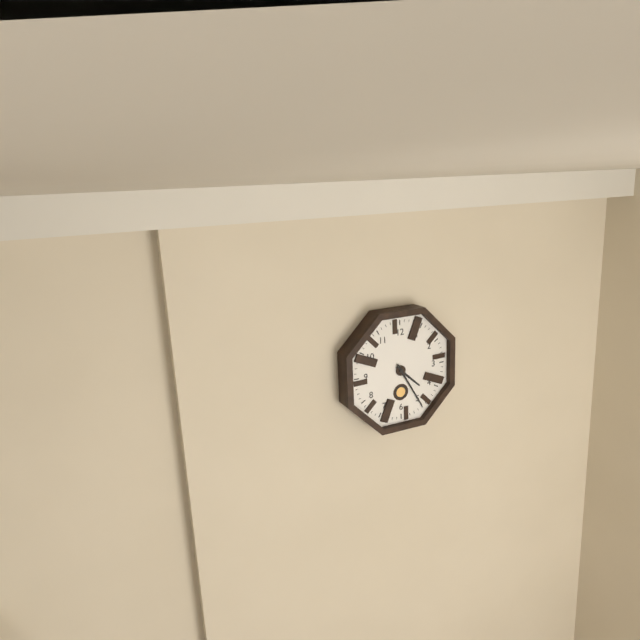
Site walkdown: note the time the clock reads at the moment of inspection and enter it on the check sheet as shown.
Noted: 4:25
